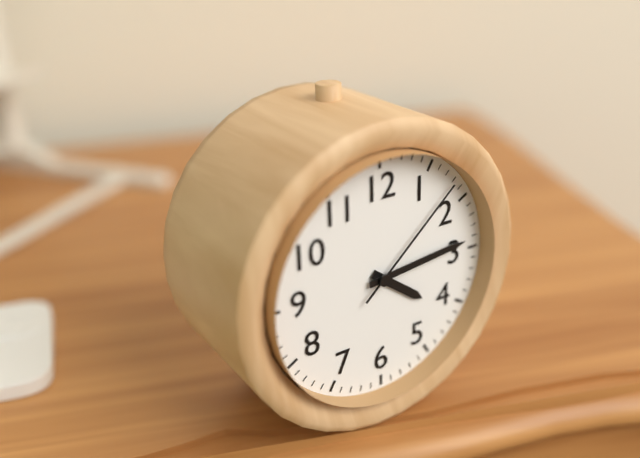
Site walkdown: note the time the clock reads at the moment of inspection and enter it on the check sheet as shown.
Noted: 4:14:08
